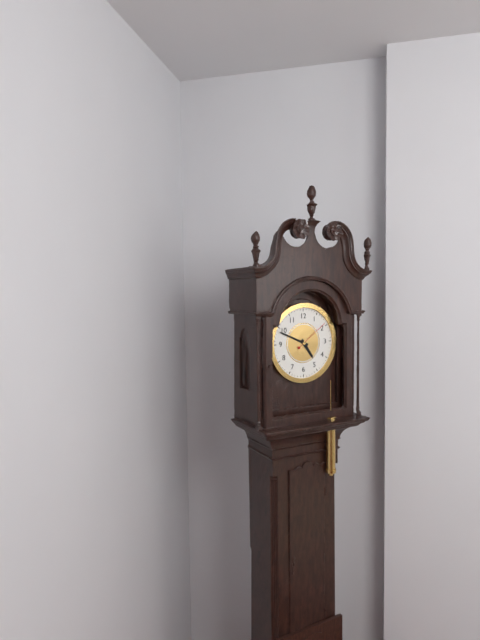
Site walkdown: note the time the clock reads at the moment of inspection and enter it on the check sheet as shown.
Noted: 4:49
